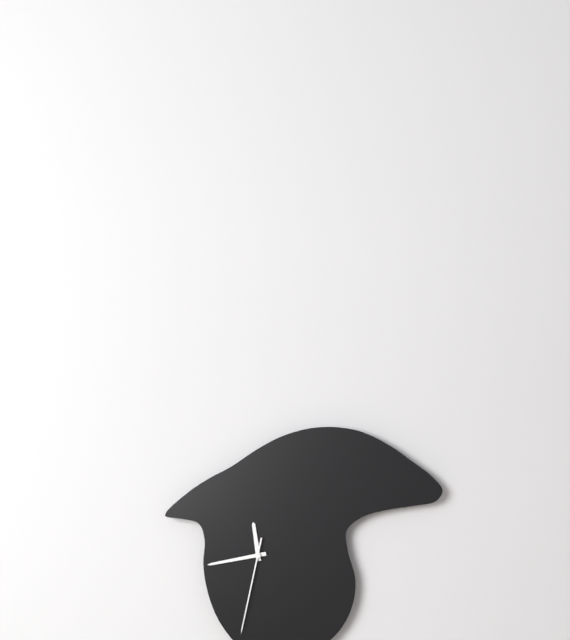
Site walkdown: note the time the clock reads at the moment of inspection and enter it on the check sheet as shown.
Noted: 11:43:32
